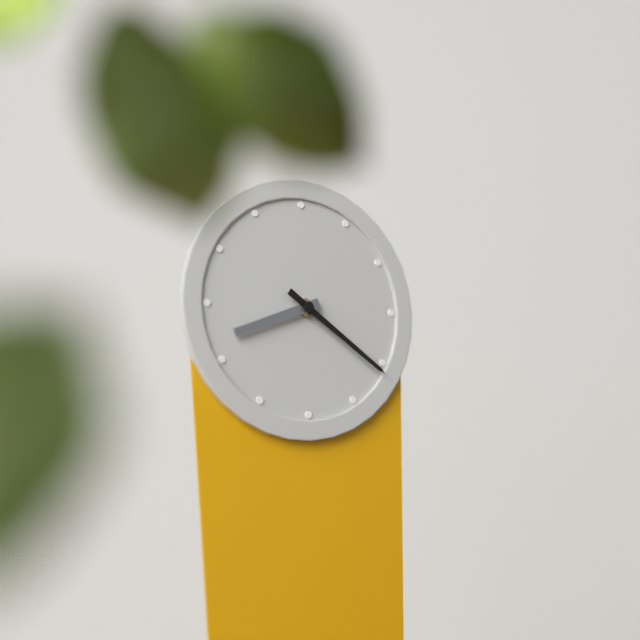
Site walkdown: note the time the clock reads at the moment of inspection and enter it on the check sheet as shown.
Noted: 8:21
